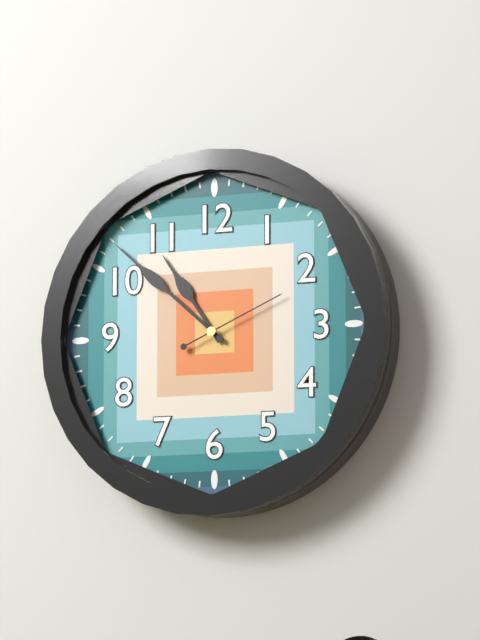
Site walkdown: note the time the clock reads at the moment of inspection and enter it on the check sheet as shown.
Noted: 10:52:11
